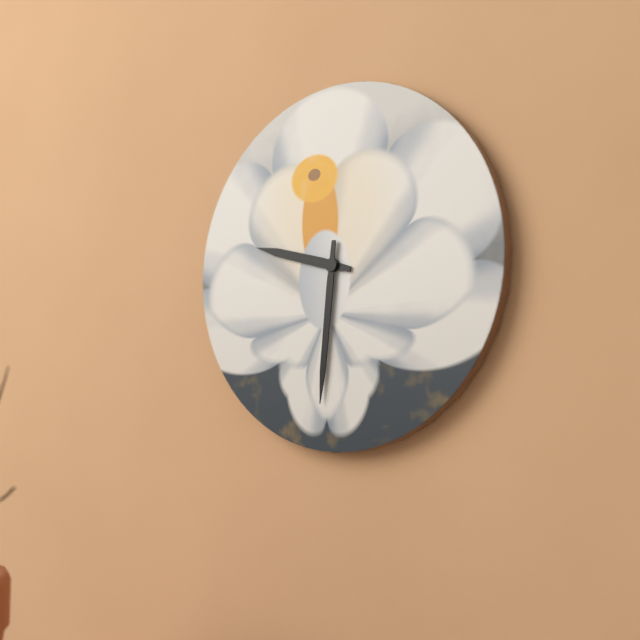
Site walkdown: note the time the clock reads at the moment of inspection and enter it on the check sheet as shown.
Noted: 9:31
